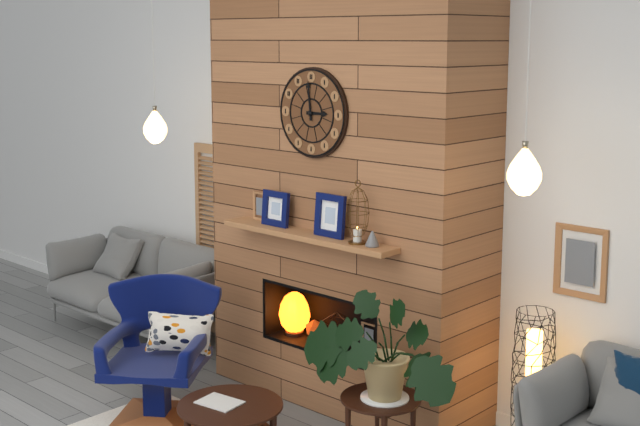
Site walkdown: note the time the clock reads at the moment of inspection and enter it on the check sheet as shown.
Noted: 2:59
